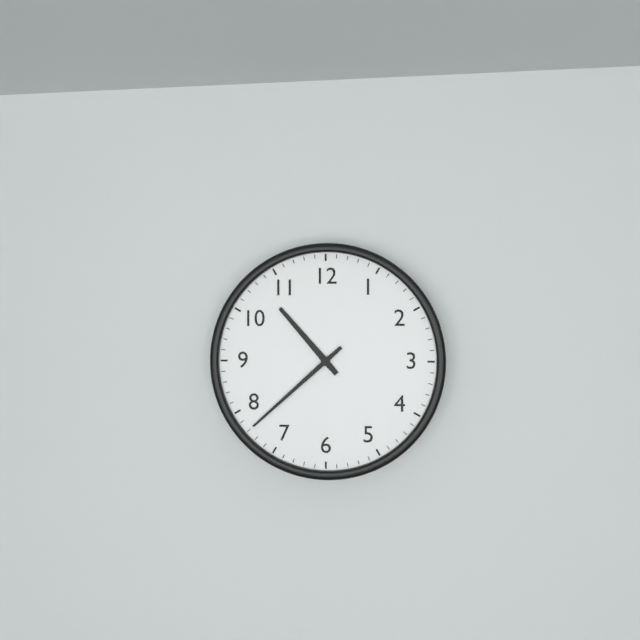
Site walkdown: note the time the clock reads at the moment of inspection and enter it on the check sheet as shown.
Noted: 10:38
